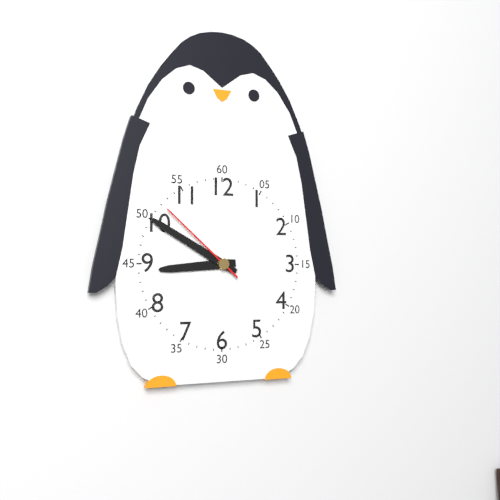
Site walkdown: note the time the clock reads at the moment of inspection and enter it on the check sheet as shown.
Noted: 8:50:52
